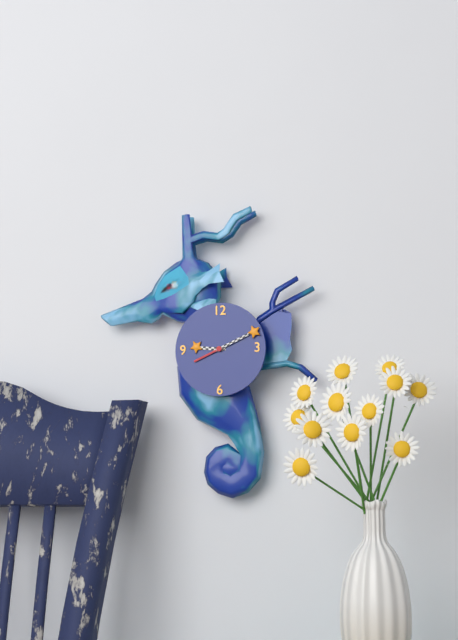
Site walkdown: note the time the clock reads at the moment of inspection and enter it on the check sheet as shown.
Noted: 9:11
